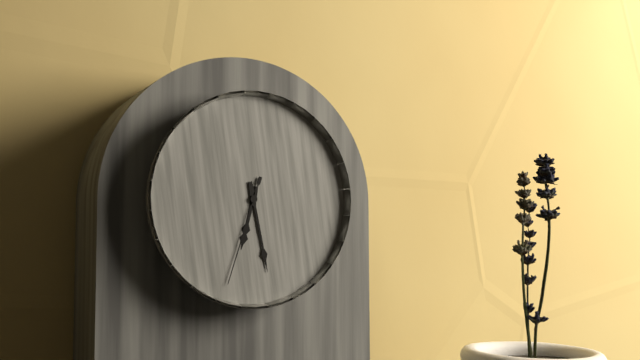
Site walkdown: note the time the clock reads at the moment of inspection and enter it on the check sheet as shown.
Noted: 6:28:33
